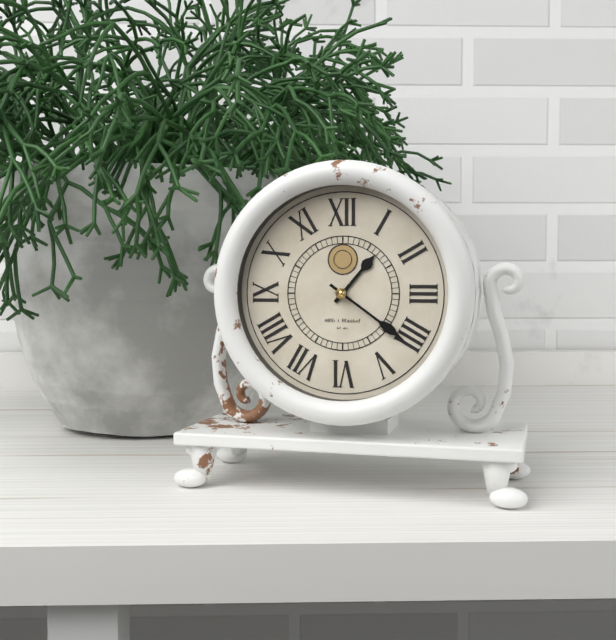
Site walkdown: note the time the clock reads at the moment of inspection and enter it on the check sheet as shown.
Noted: 1:21
